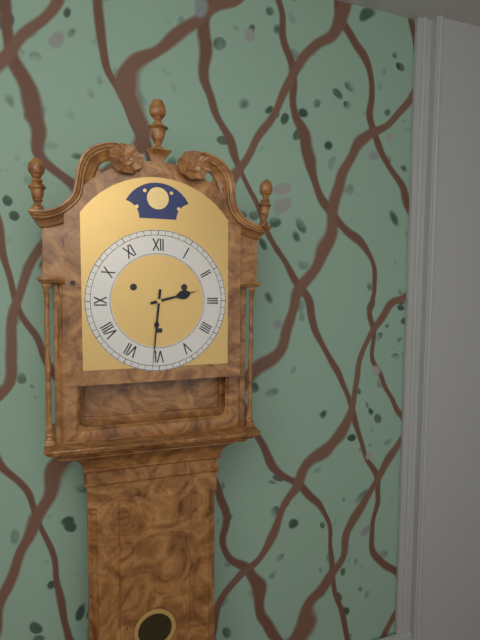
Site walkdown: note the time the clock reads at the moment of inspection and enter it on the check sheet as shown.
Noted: 2:31
